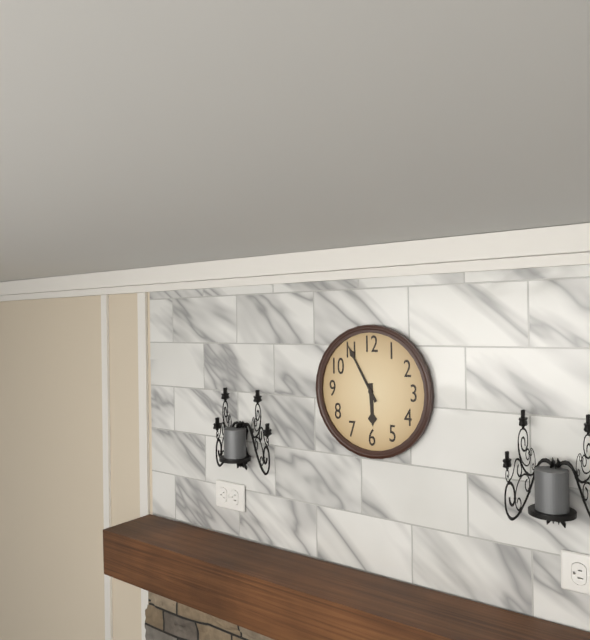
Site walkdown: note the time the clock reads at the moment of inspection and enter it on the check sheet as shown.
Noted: 5:55
